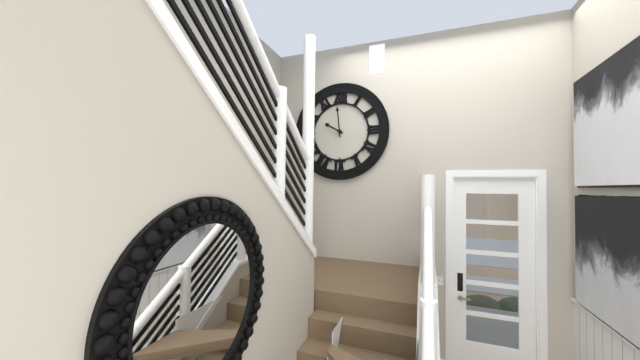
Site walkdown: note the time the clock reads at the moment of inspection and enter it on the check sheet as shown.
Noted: 9:59
